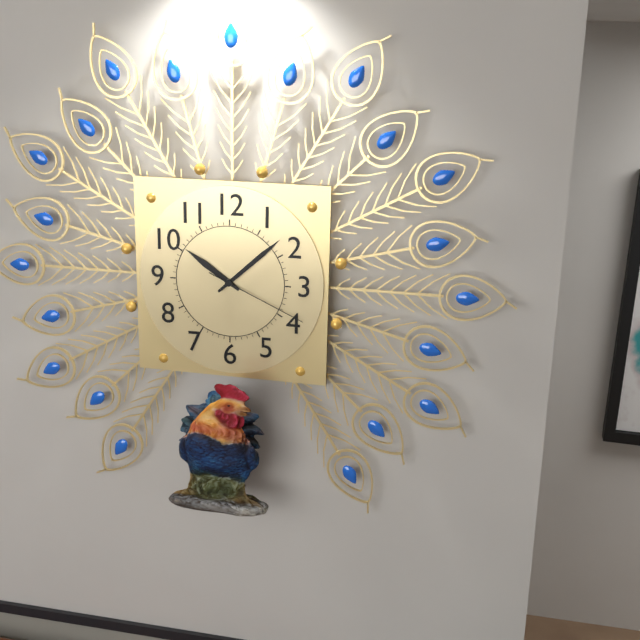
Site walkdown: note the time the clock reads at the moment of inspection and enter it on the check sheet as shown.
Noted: 10:08:19
